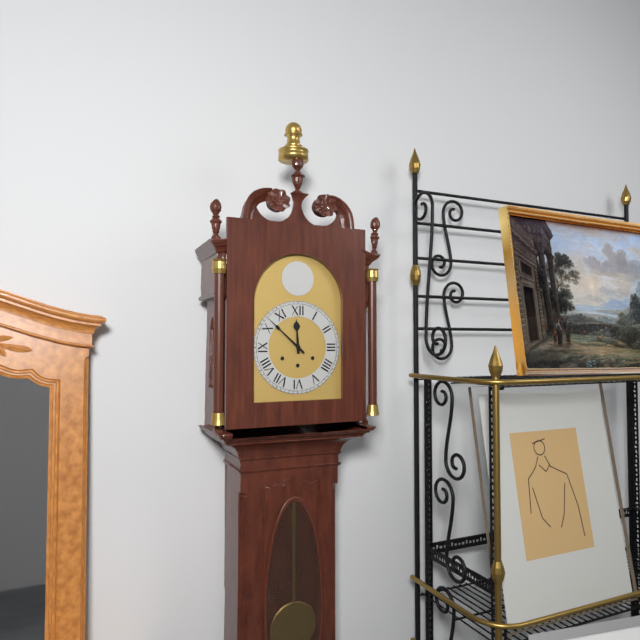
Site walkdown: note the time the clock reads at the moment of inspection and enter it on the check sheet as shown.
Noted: 11:52
